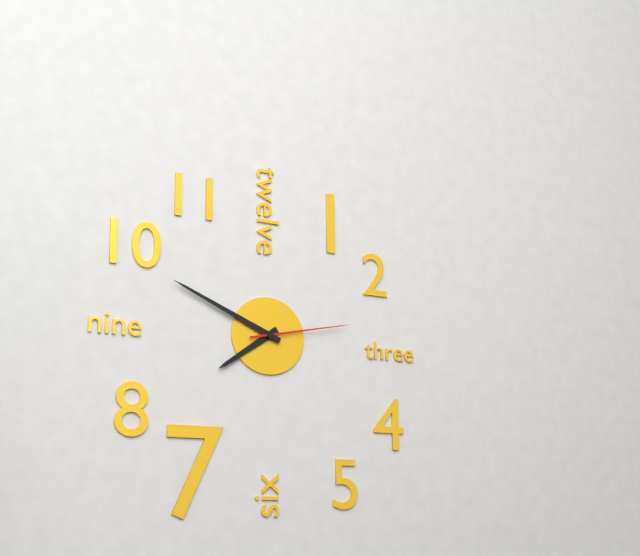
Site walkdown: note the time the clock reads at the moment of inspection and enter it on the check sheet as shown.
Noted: 7:49:13
